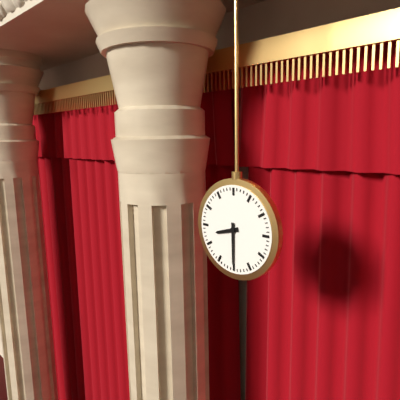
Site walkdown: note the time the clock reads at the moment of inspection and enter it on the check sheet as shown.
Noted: 8:30
